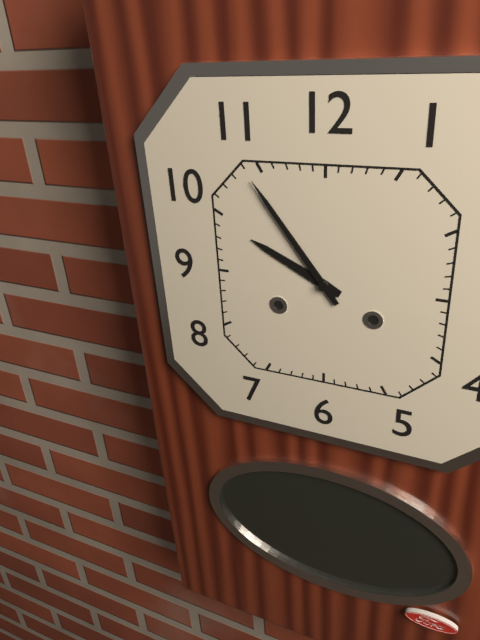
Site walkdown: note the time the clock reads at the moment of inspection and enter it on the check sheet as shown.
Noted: 9:54
